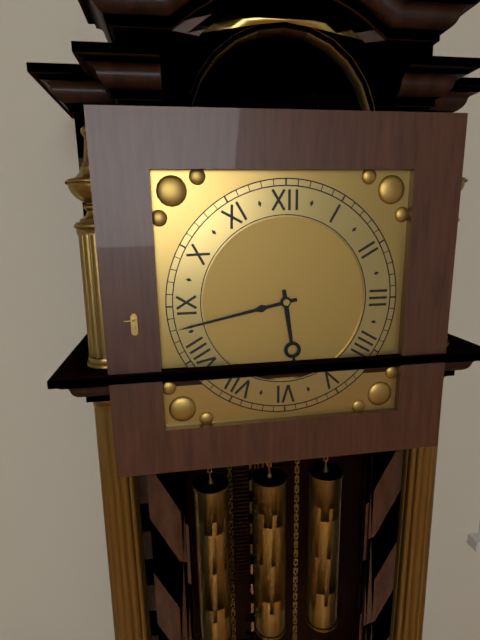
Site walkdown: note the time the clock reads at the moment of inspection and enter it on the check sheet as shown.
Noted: 5:43
